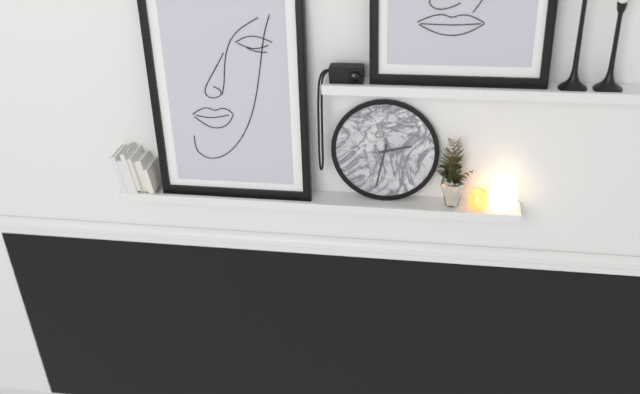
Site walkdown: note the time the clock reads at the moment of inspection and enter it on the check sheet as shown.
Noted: 2:32
